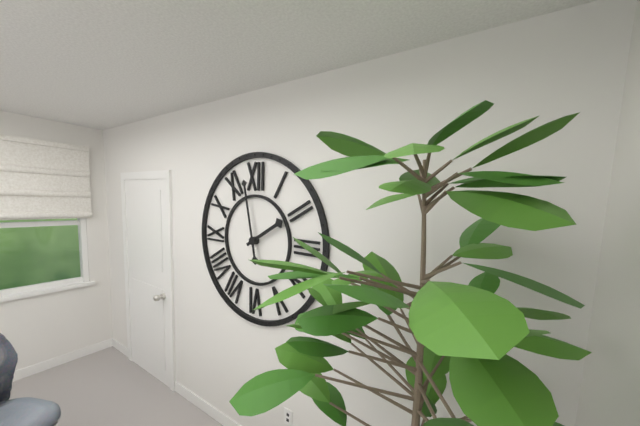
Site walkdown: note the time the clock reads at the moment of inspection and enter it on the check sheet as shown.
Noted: 1:58
